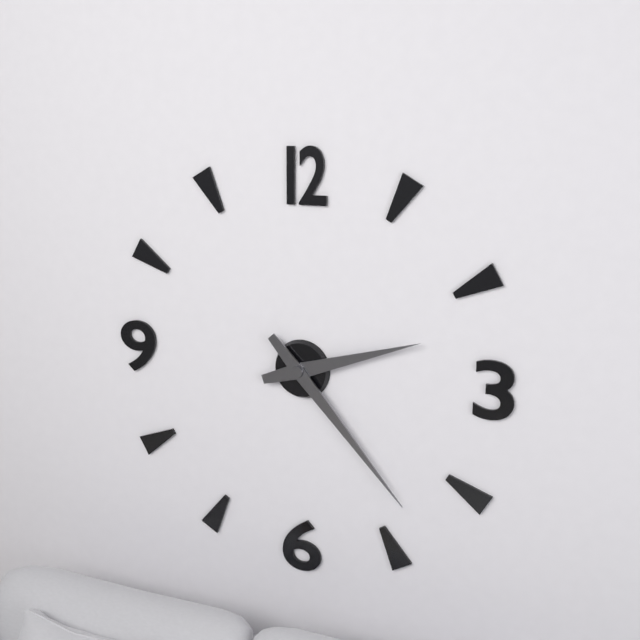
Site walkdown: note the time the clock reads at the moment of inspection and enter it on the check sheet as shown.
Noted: 2:23
